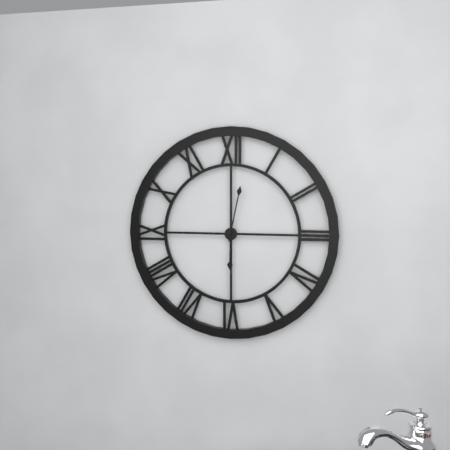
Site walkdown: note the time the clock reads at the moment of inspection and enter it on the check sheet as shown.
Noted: 6:02
